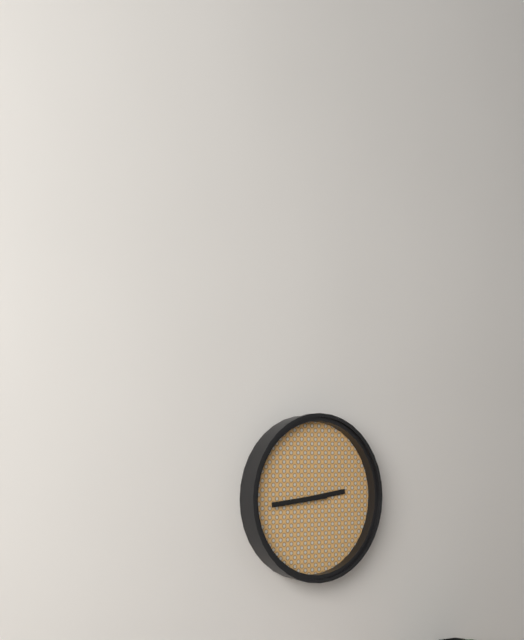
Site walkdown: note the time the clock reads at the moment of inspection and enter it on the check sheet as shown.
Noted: 2:44
